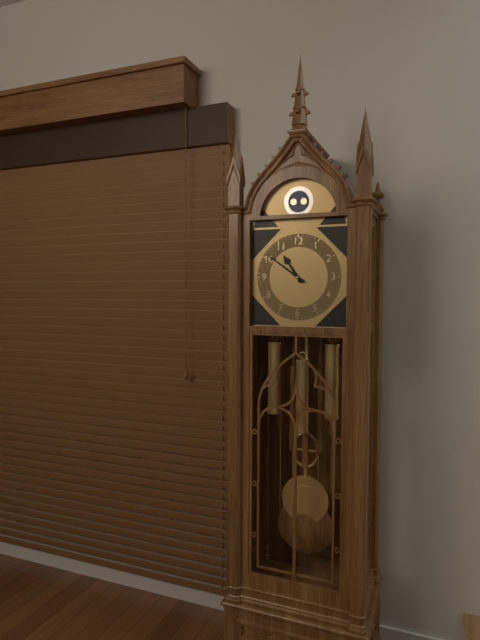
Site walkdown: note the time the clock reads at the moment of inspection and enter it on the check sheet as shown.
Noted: 10:51
